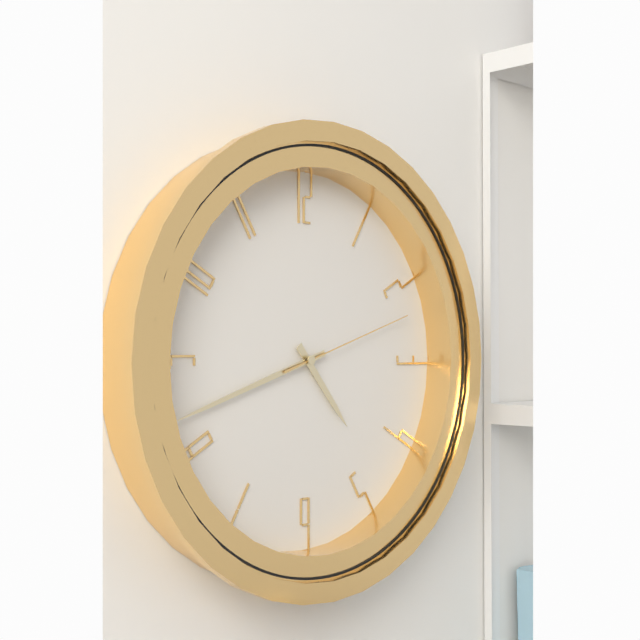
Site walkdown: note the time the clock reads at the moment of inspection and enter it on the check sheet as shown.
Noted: 4:42:12
